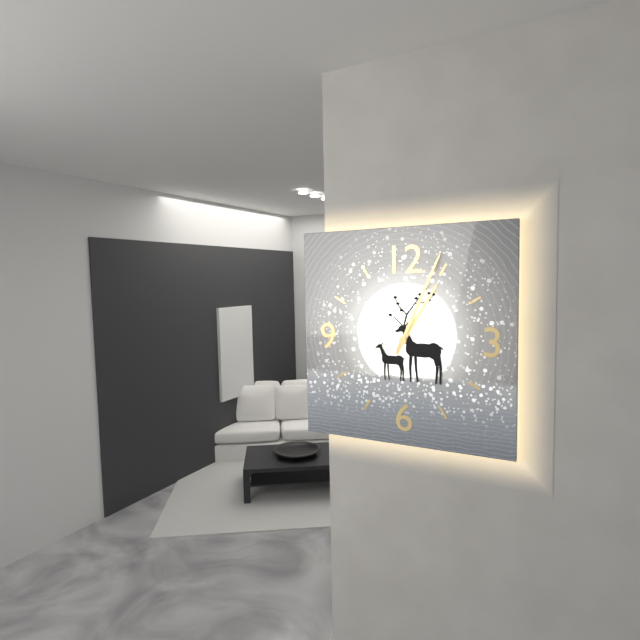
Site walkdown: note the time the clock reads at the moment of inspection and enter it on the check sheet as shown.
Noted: 1:04
